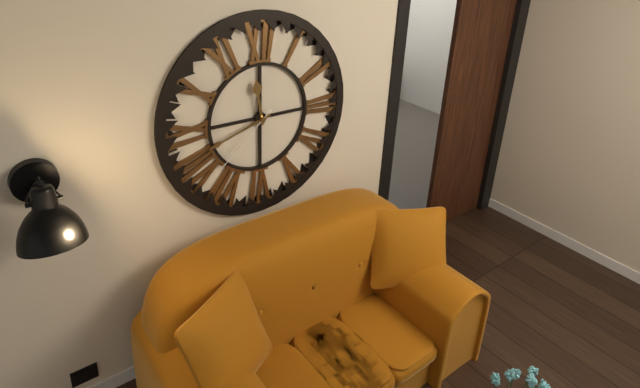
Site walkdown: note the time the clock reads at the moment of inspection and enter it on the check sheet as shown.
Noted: 11:42:38
